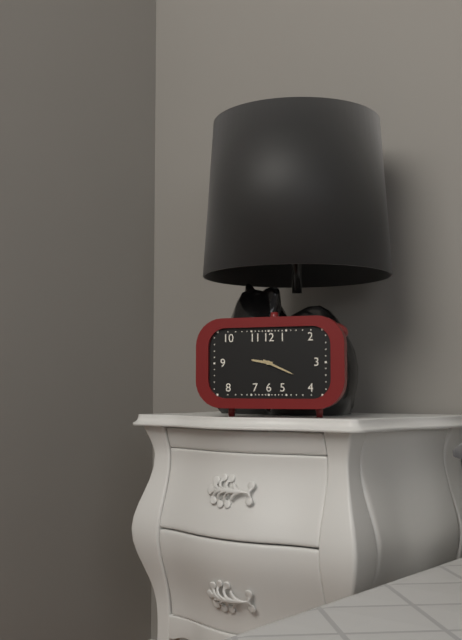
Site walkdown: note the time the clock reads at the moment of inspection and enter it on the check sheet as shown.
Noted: 9:19
